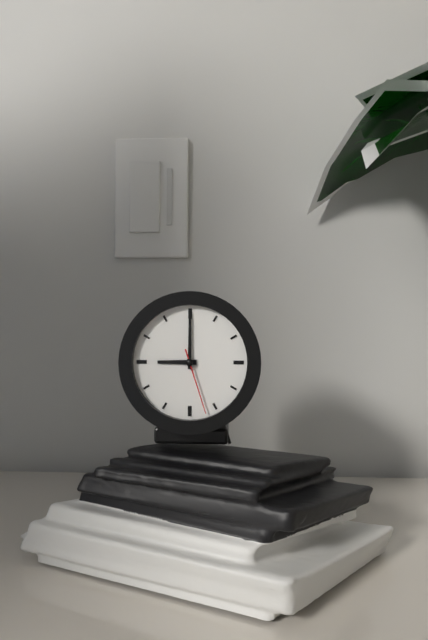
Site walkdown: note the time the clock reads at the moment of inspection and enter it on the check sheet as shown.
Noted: 9:00:27
